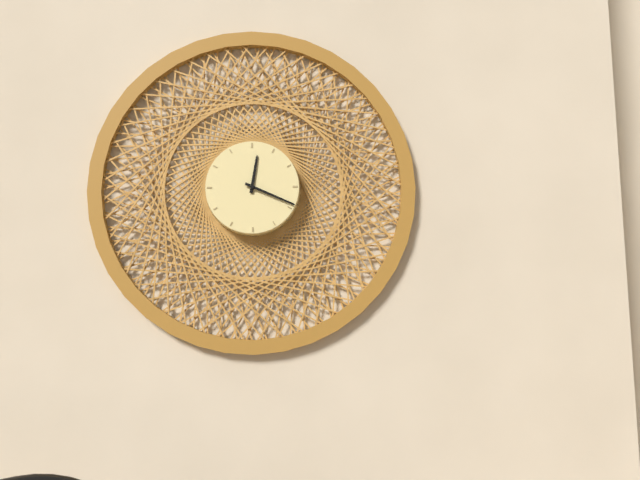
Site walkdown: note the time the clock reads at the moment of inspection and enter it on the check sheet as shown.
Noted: 12:19
